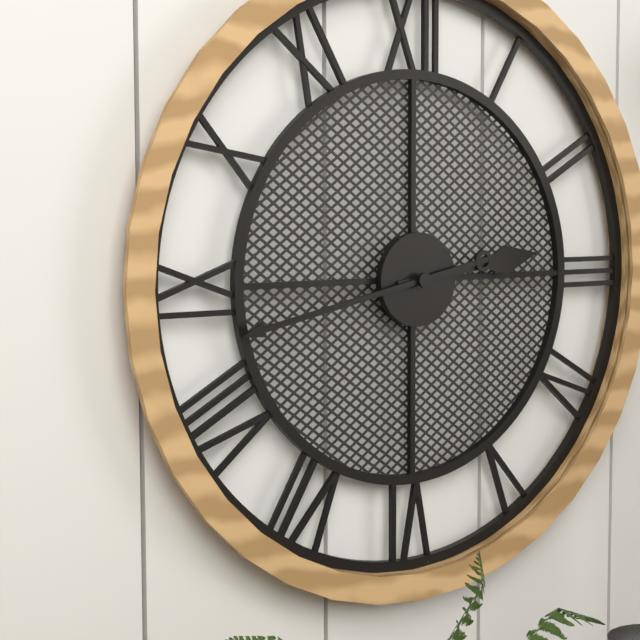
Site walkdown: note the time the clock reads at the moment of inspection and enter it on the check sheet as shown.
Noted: 2:43
